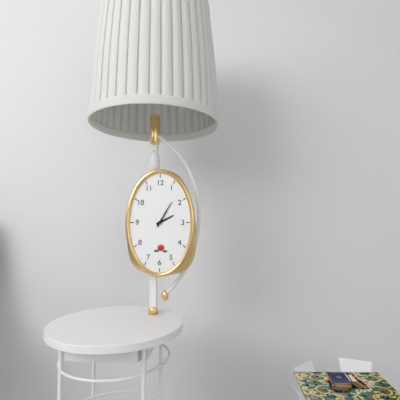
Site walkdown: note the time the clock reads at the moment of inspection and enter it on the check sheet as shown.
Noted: 2:05
